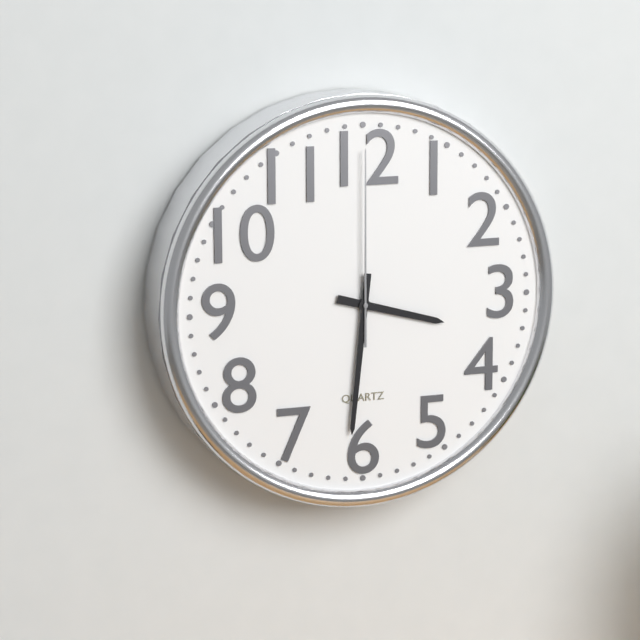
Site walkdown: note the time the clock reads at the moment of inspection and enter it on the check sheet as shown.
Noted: 3:31:00
